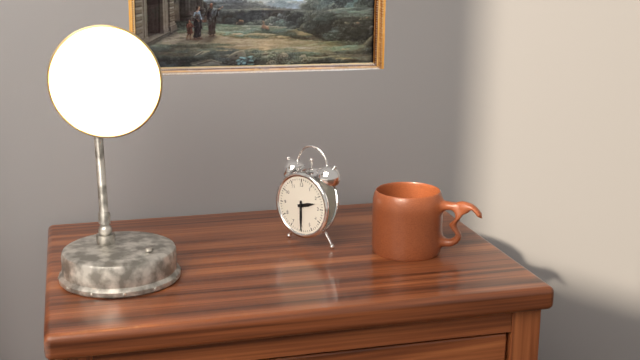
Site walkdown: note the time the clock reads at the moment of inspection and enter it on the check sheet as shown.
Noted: 2:30
